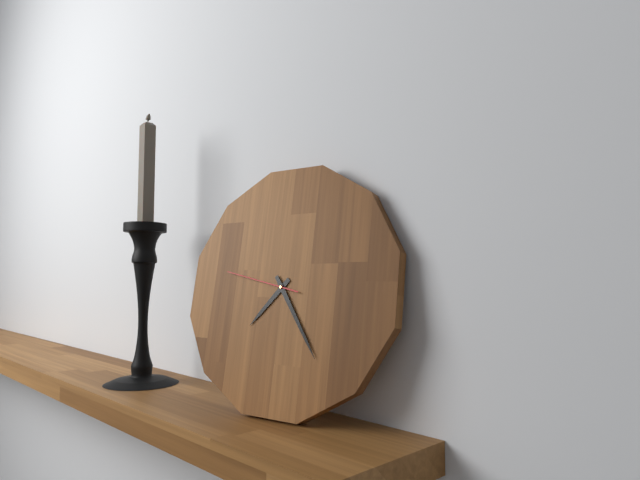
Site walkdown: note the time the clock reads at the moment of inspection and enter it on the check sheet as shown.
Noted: 7:24:47
